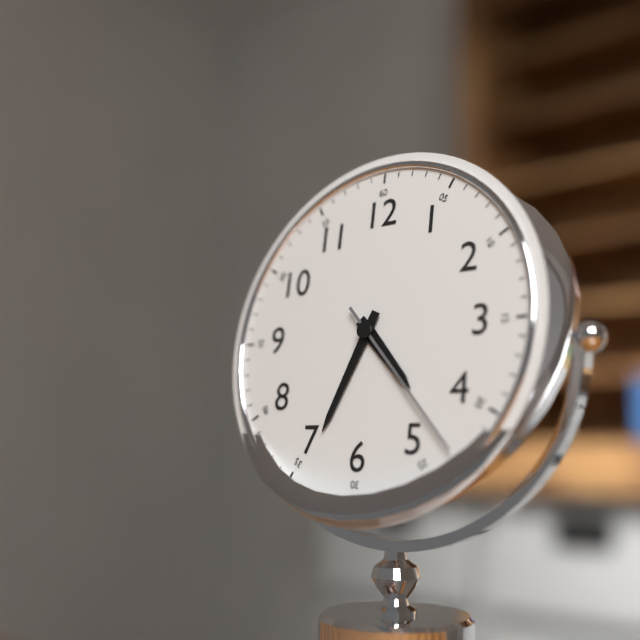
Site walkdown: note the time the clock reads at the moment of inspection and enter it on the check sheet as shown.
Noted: 4:34:23
